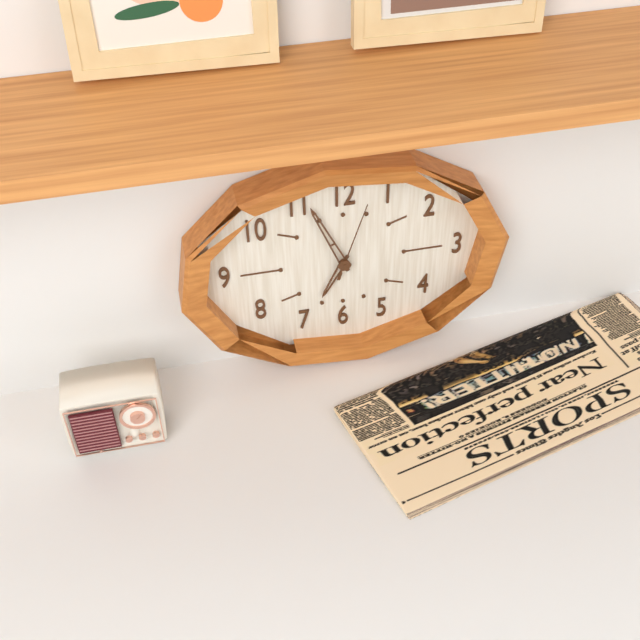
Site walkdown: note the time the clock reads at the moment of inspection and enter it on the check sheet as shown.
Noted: 6:56:03
